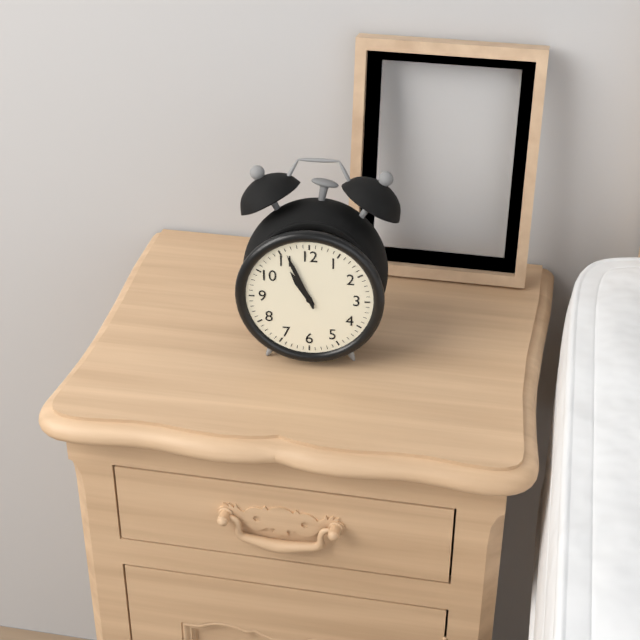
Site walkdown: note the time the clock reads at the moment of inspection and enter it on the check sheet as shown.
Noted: 10:56
